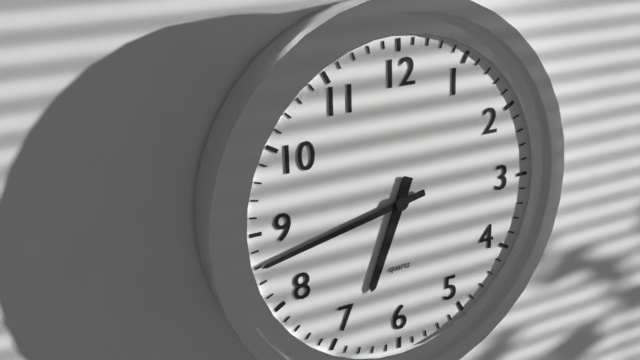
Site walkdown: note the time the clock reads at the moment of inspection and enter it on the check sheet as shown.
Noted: 6:43
